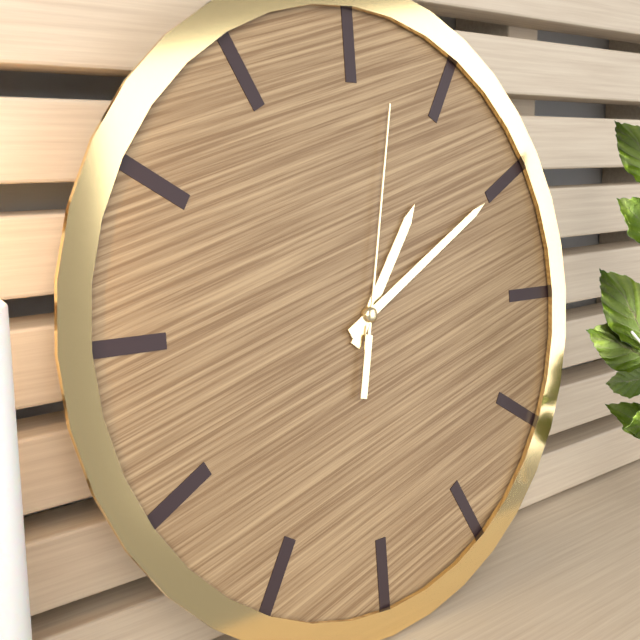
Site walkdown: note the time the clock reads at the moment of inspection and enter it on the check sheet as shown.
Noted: 1:10:02
